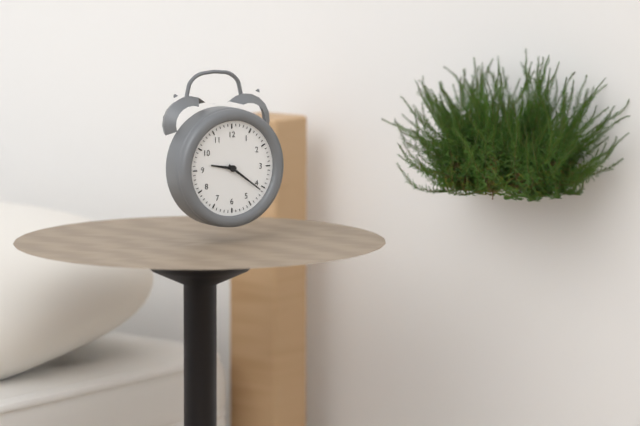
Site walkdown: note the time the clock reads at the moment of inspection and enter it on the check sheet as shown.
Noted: 9:21
